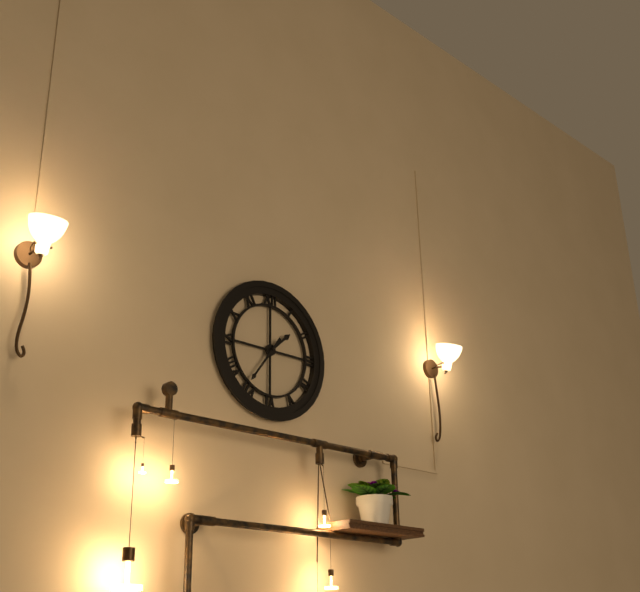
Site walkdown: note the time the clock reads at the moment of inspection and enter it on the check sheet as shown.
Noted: 1:36
